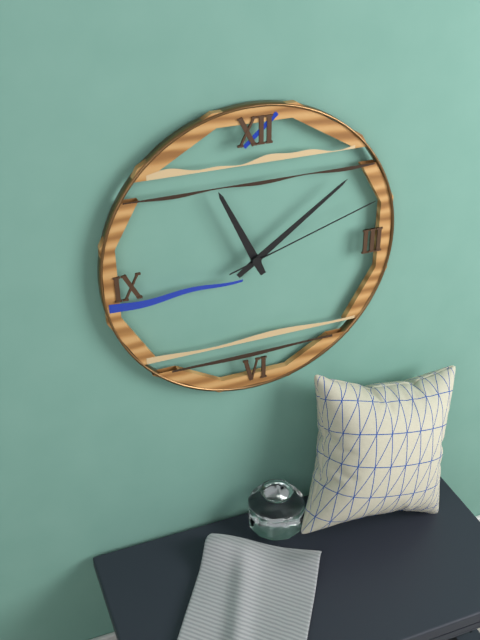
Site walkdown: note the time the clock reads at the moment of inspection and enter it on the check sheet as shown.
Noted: 11:09:12
